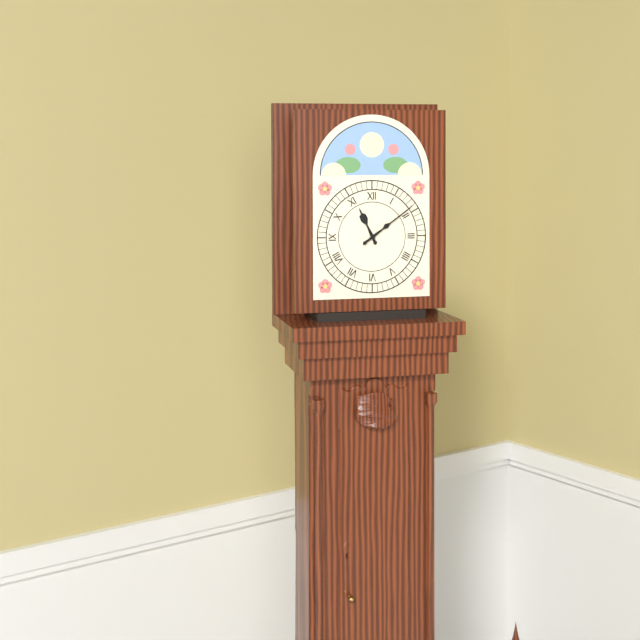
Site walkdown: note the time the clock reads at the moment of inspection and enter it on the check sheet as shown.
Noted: 11:09
